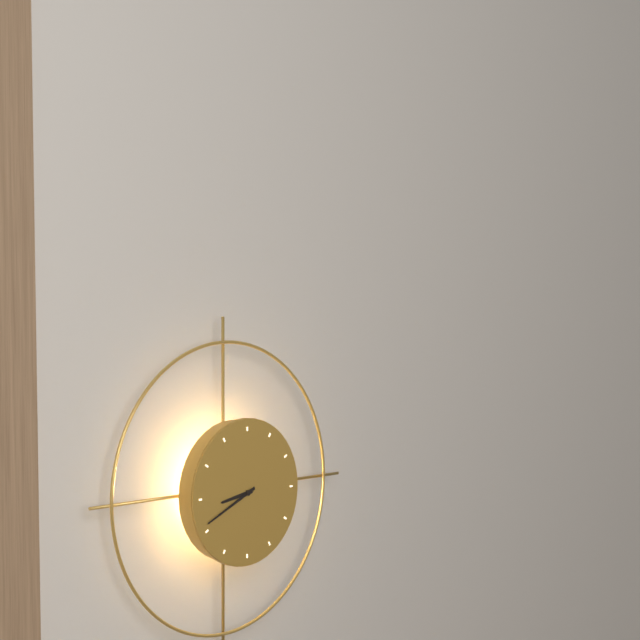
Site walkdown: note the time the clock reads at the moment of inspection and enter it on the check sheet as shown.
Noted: 8:41
